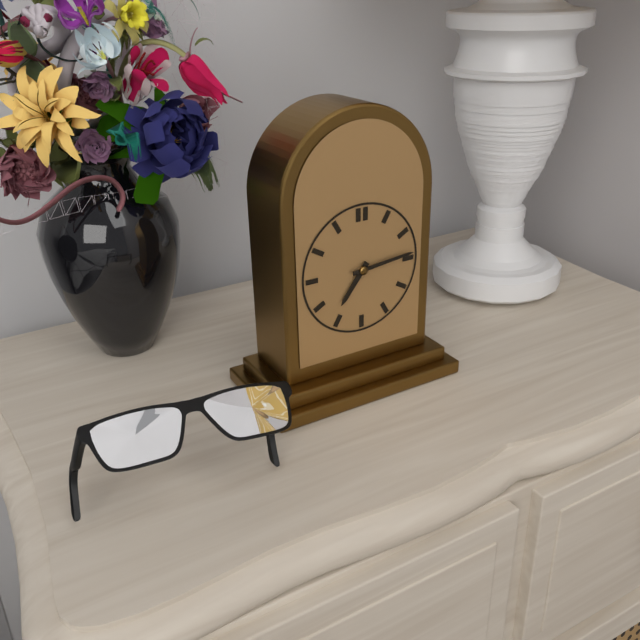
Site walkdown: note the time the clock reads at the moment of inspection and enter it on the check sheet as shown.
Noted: 7:14
